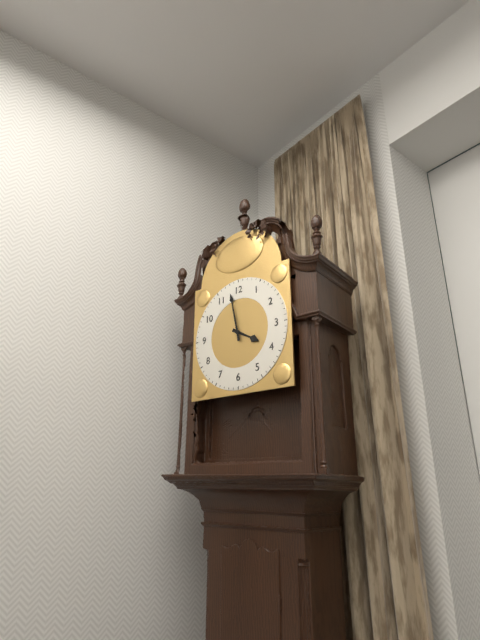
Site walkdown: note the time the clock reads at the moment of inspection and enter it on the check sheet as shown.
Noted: 3:58
